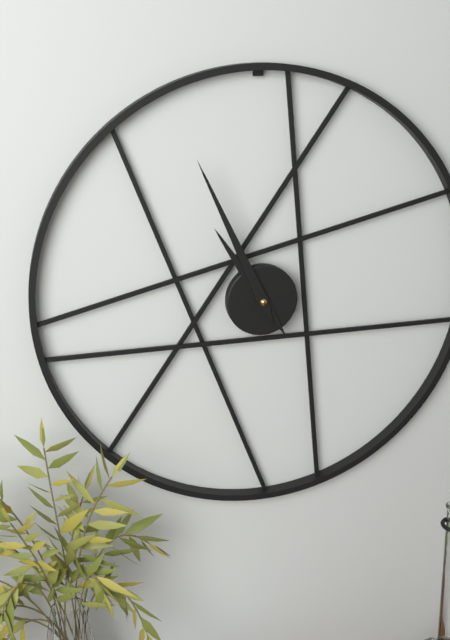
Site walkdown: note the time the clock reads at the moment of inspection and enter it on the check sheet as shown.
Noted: 10:56
